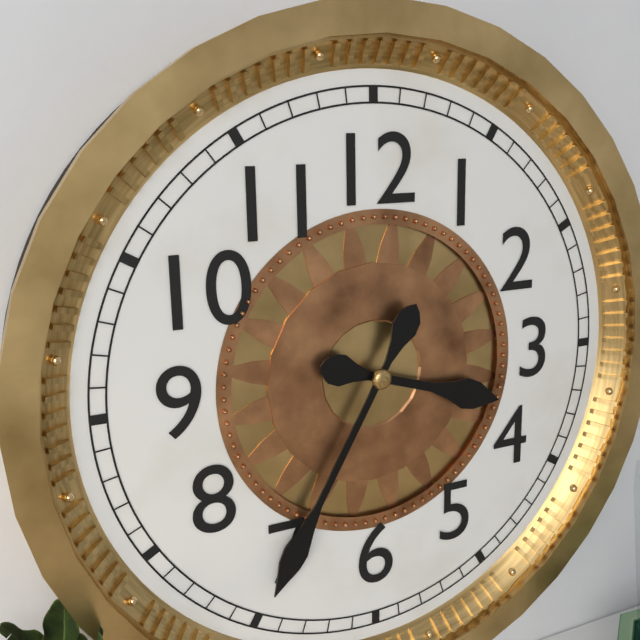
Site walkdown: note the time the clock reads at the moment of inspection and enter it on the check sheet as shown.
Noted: 3:35
